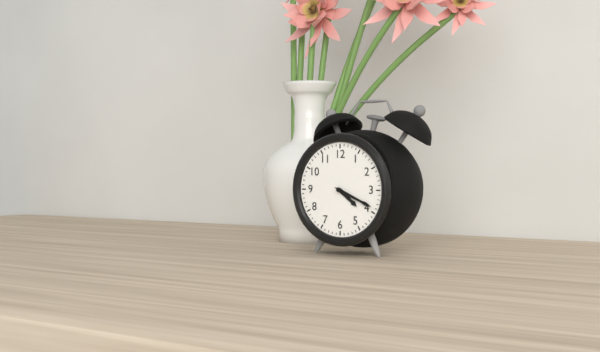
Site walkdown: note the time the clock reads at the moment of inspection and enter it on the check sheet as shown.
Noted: 4:19
